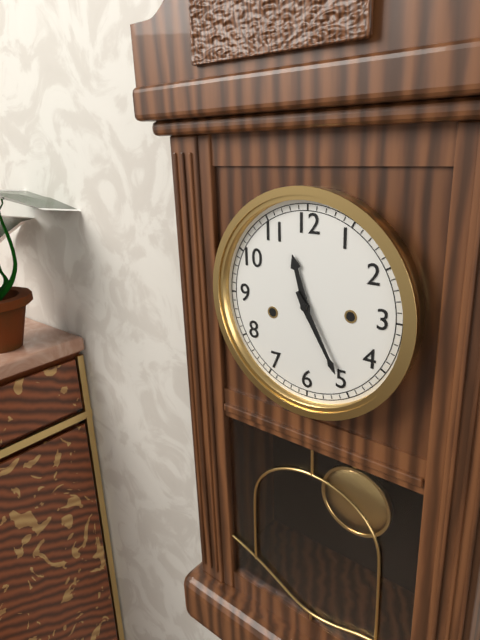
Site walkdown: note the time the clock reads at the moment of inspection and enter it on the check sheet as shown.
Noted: 11:25
